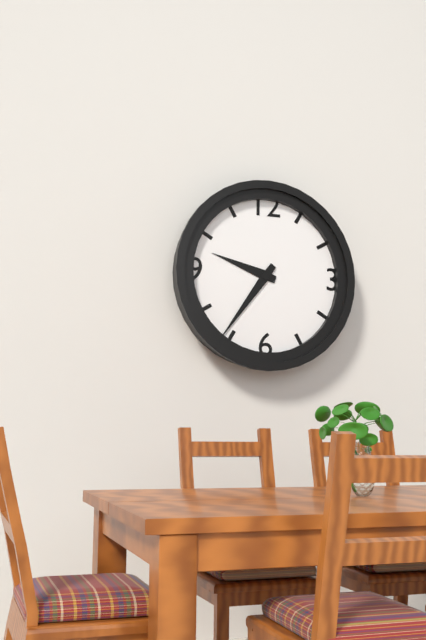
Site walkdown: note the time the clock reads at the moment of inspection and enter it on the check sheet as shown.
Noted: 9:36
